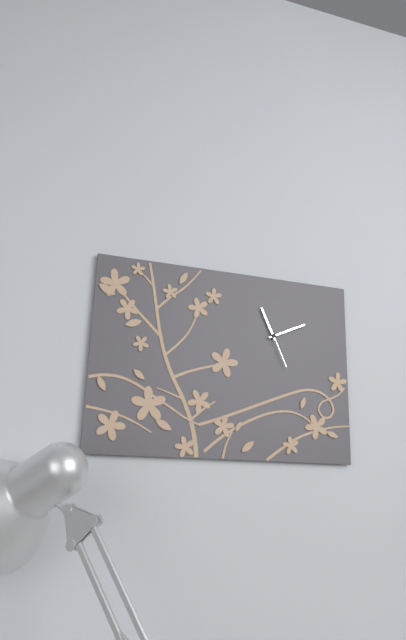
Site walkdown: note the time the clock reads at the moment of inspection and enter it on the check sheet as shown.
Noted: 11:11
